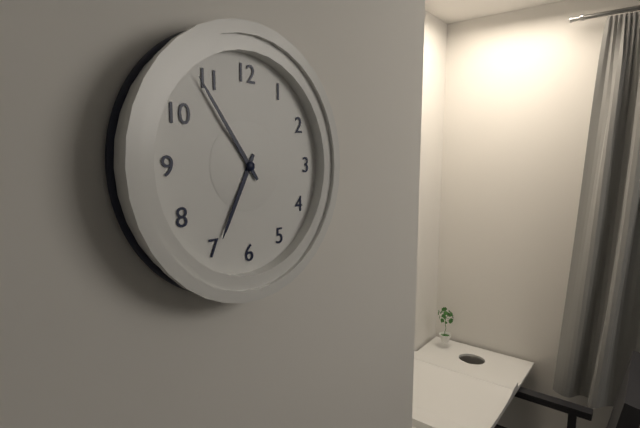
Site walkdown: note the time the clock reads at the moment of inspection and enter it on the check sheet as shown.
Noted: 6:54
